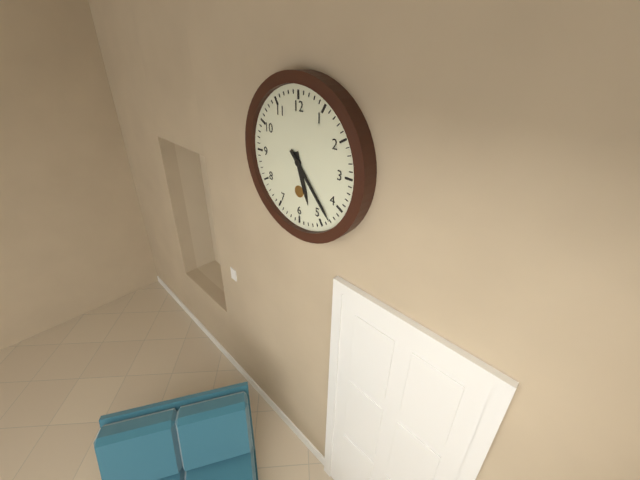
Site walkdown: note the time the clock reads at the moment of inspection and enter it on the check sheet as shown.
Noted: 5:23
